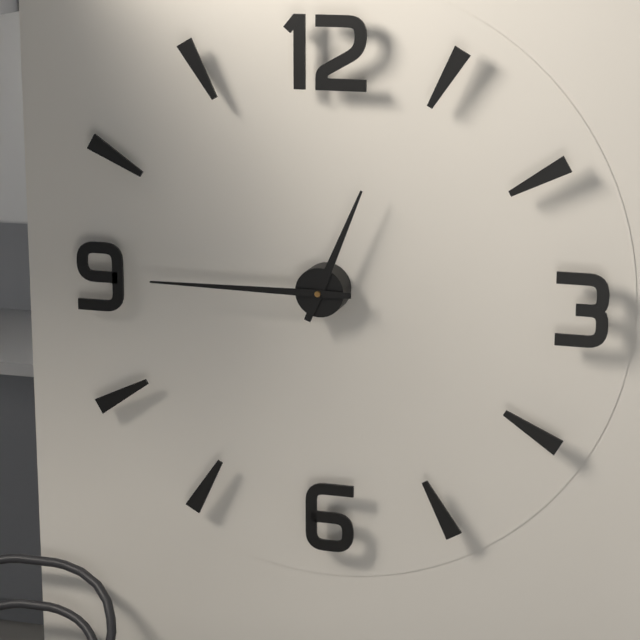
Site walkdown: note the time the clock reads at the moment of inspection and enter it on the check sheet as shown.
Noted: 12:45
